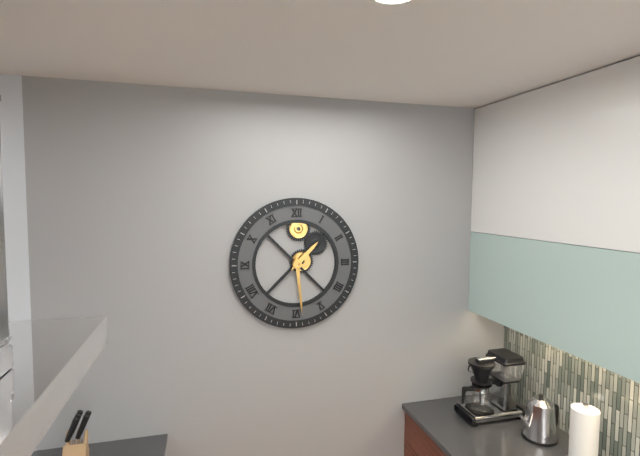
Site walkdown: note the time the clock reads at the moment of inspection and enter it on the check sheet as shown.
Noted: 1:29
